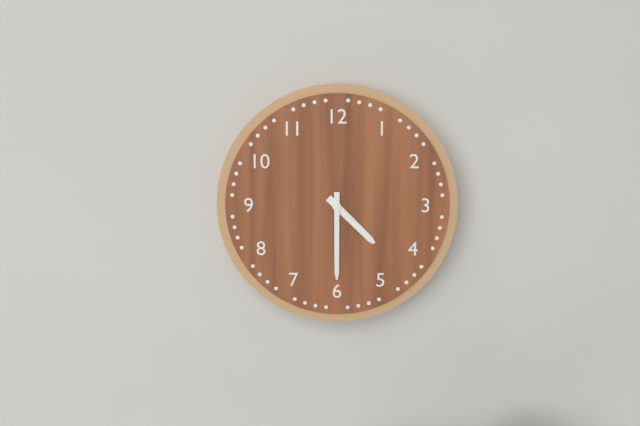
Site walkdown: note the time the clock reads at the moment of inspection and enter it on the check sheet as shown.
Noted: 4:30
